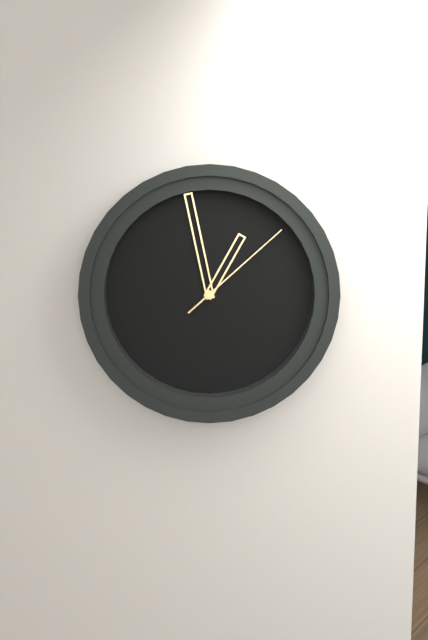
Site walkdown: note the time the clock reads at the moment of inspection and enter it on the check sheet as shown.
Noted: 12:58:08
